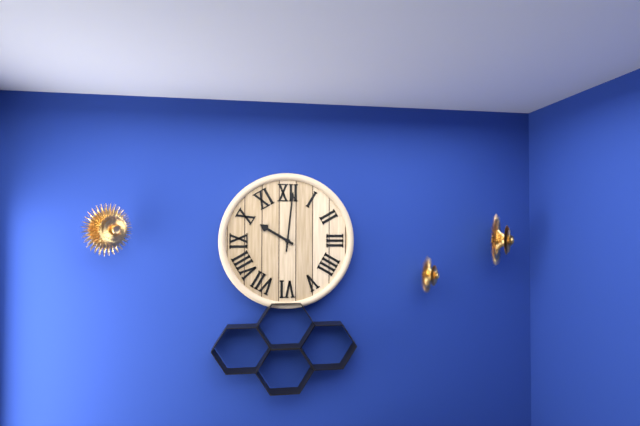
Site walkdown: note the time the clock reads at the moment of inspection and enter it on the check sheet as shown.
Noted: 10:01
